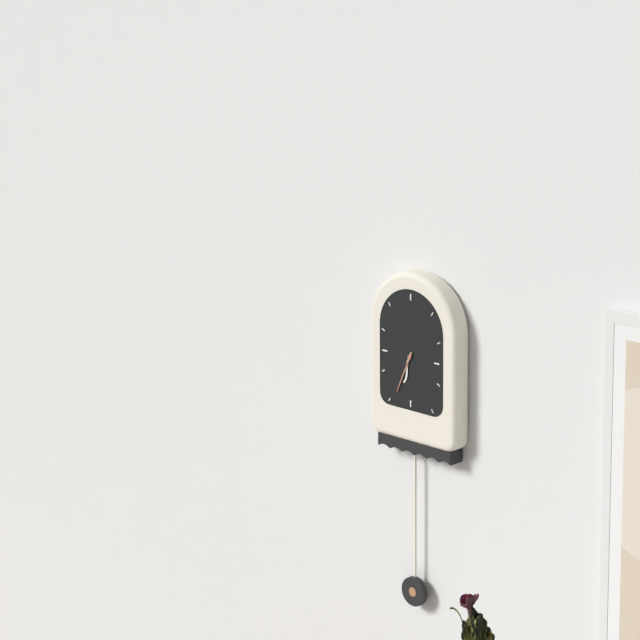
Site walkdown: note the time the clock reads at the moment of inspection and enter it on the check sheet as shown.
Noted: 6:34
